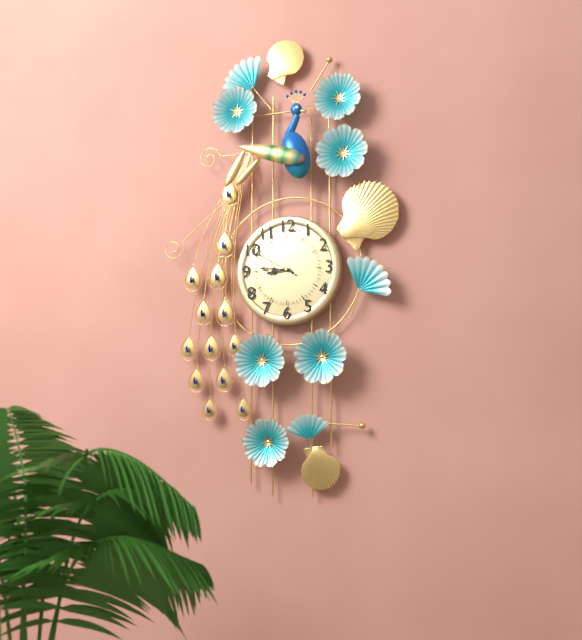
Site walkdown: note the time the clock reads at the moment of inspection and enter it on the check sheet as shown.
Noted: 8:46
